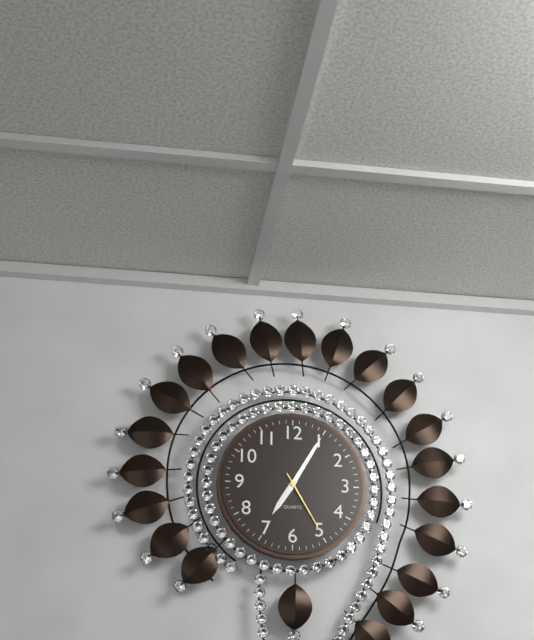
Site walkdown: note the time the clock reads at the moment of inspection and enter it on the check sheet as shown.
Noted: 7:05:25
